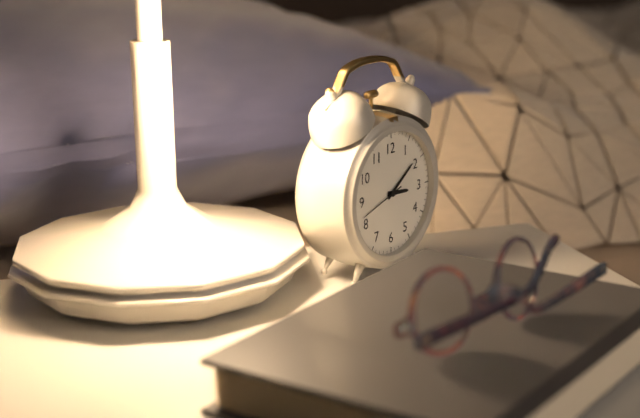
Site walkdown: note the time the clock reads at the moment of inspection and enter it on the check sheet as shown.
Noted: 3:09
